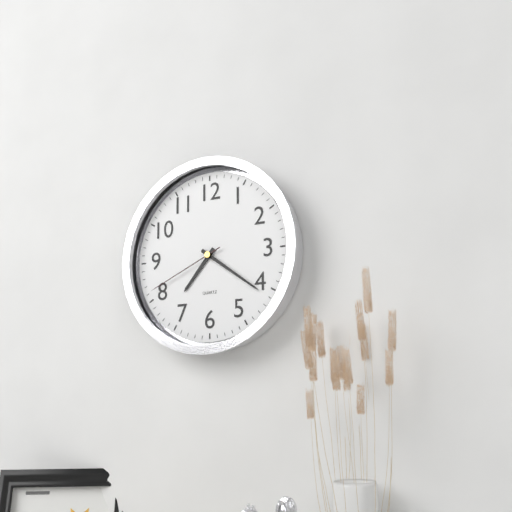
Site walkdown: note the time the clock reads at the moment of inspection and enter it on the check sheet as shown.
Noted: 7:21:41
